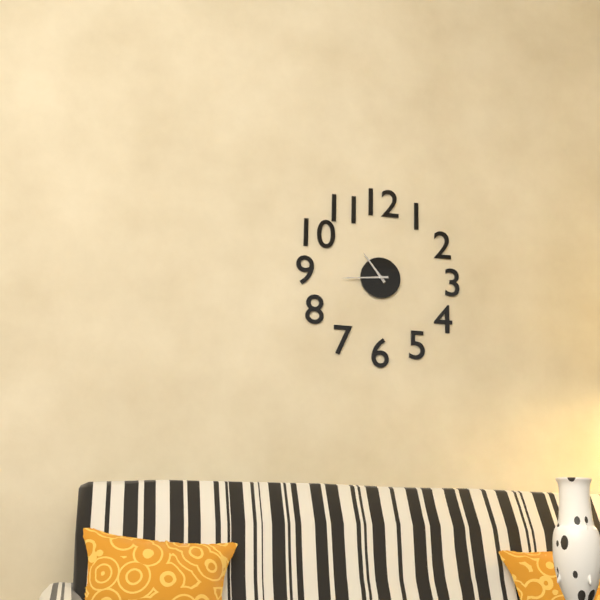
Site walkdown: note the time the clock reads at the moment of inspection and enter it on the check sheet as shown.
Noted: 10:44
